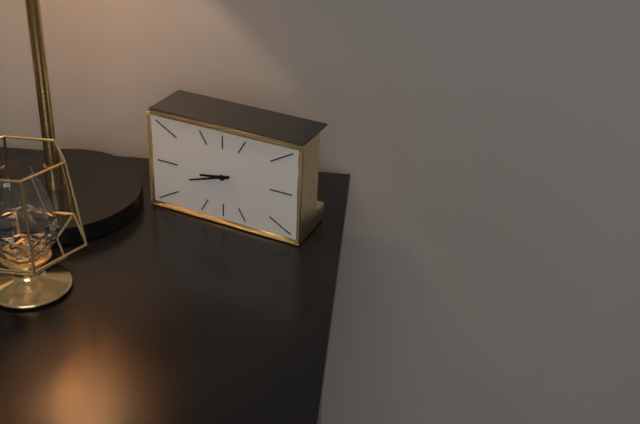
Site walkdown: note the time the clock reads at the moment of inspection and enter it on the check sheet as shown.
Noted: 8:42
